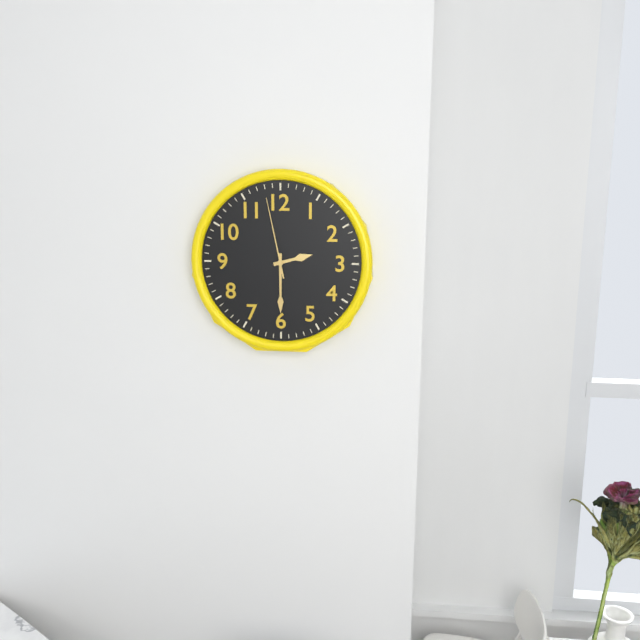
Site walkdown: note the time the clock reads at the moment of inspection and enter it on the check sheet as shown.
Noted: 2:30:58
